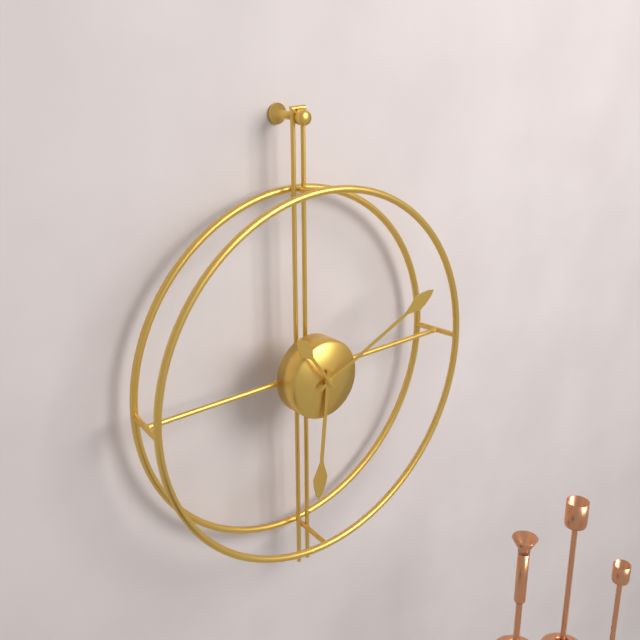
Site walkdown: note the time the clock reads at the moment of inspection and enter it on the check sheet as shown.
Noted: 6:11:54
